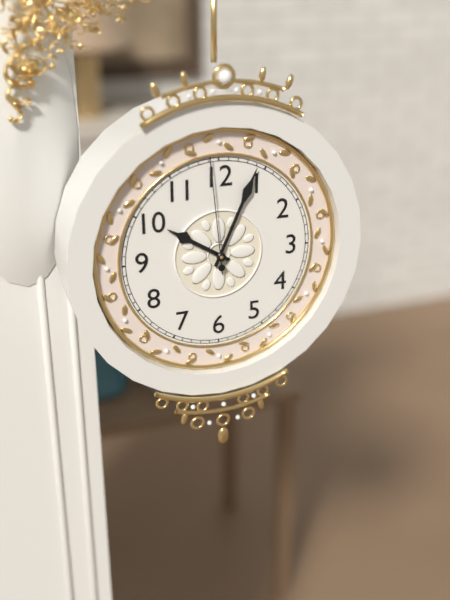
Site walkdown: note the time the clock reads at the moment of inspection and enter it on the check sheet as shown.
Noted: 10:04:59
